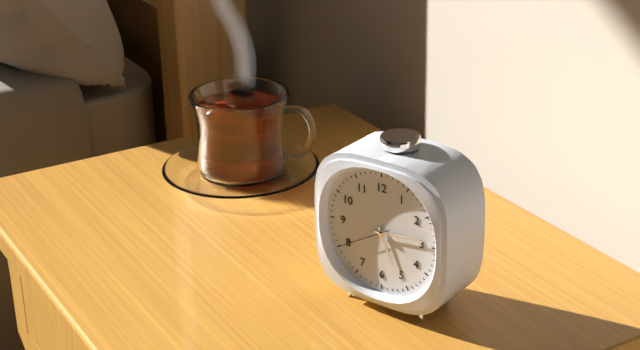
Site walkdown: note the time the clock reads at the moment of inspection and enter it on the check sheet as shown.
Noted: 5:14:40
